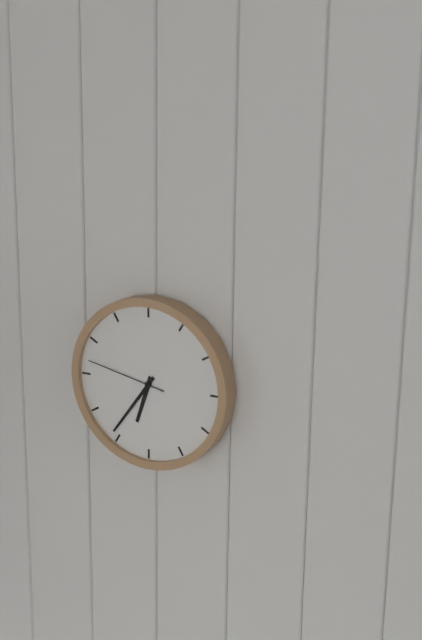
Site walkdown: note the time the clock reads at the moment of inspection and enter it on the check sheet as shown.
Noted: 6:36:47
